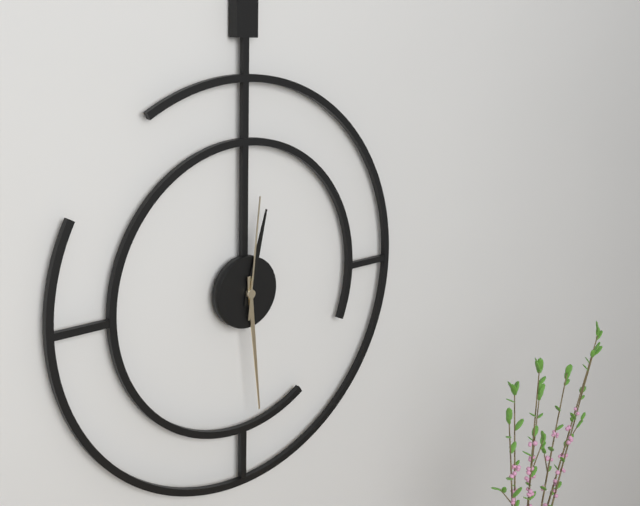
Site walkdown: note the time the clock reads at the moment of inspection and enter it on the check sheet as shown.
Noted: 12:29:01
